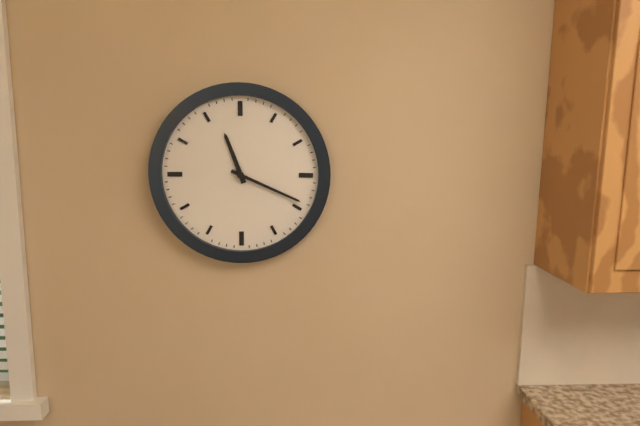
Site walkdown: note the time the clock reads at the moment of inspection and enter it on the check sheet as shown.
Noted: 11:19
